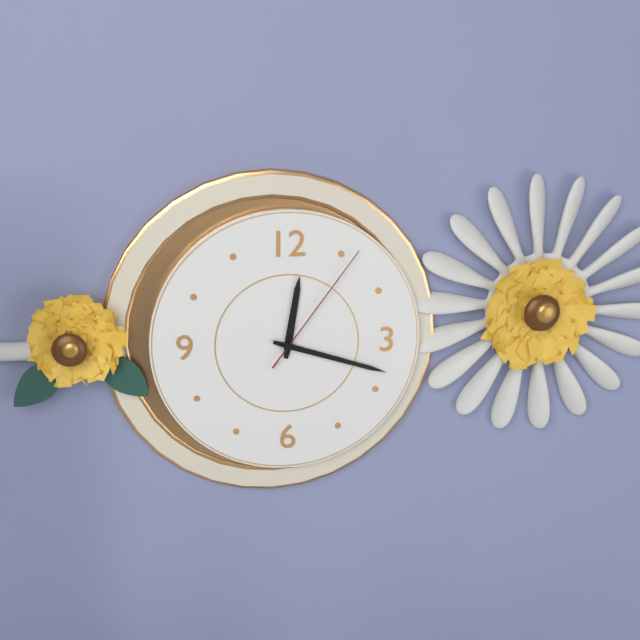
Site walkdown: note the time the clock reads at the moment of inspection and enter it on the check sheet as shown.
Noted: 12:18:06
